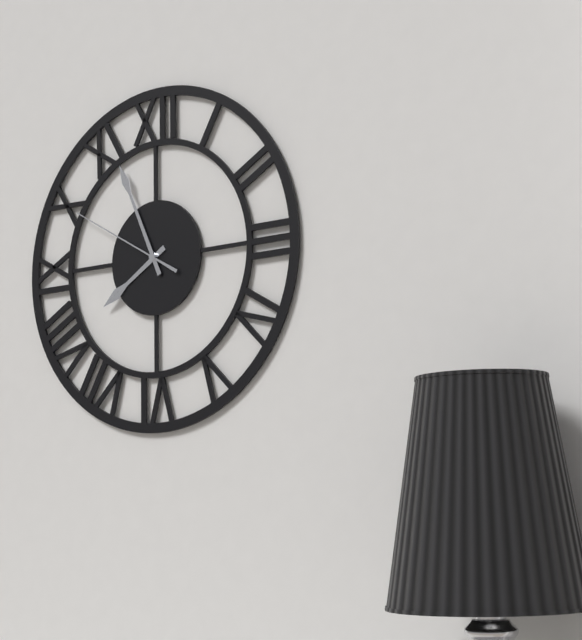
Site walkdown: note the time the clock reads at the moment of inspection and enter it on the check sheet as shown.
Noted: 7:56:50
